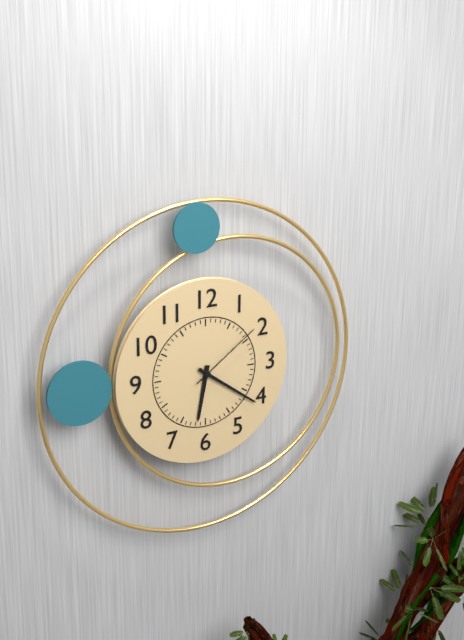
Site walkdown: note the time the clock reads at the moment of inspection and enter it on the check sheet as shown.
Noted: 6:21:09
